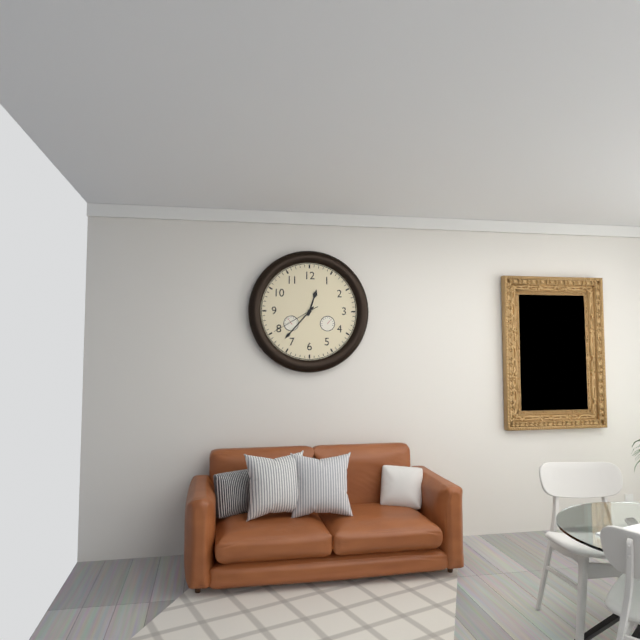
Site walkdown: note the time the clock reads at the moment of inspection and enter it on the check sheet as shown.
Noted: 12:37:40
